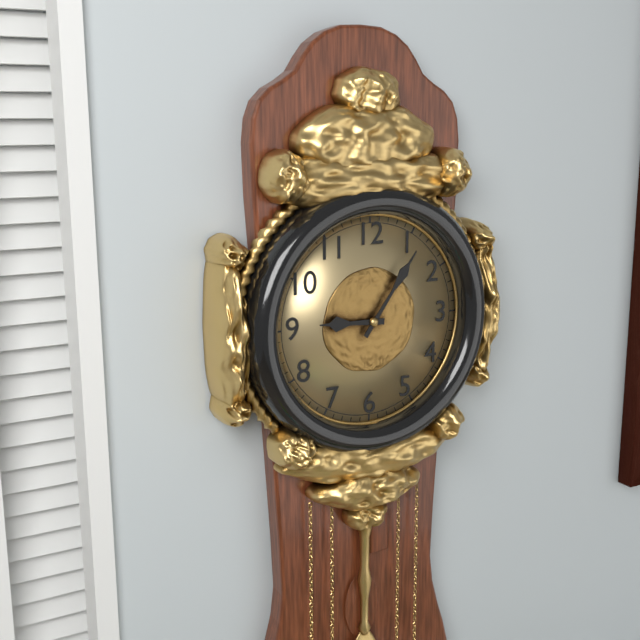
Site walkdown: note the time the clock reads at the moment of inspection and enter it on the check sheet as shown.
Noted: 9:06
